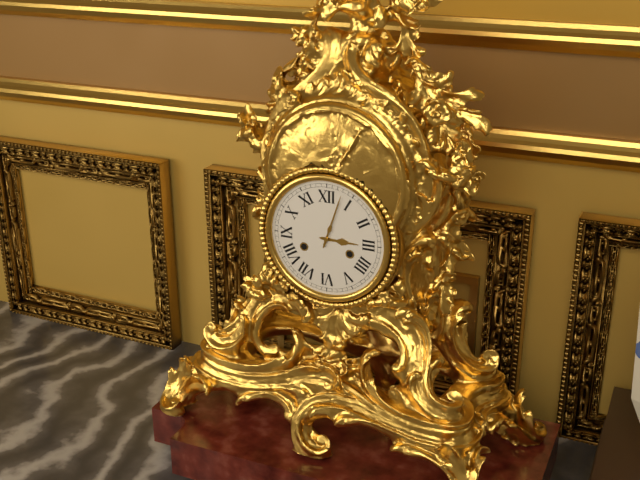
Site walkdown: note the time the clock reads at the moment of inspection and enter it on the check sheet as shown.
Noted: 3:03
